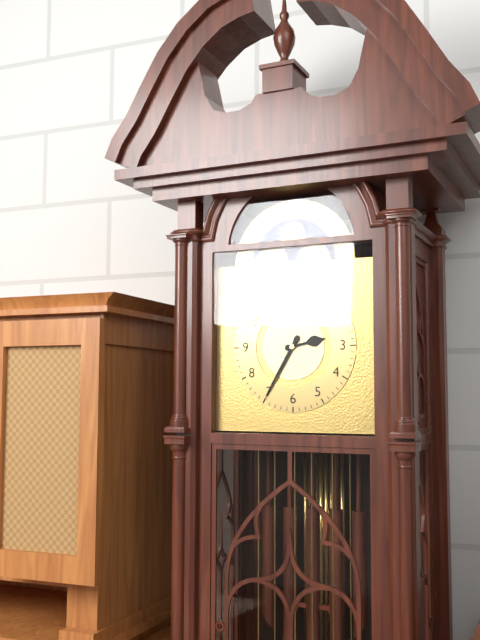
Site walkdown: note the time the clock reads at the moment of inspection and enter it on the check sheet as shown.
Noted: 2:35
